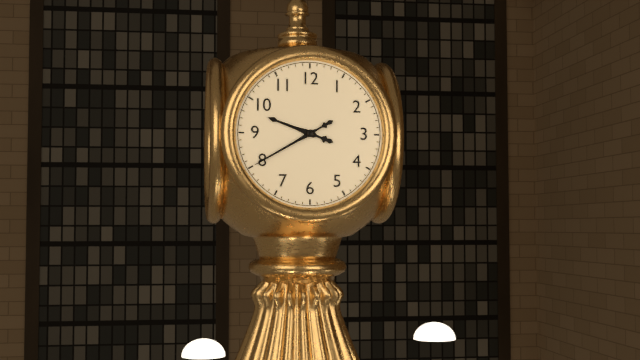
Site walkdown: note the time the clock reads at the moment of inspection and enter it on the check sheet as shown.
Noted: 9:40
